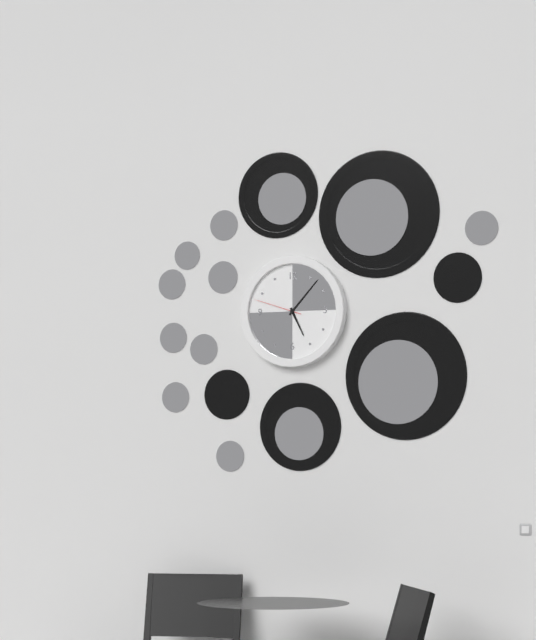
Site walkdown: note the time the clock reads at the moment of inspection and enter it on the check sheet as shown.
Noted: 5:07
